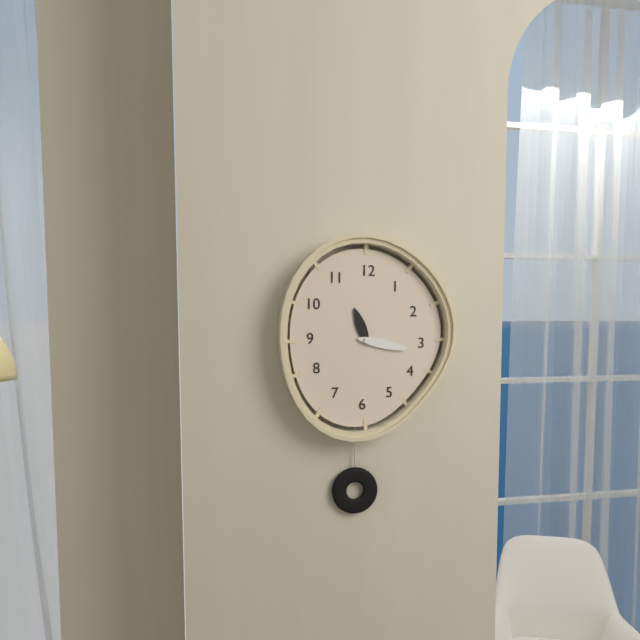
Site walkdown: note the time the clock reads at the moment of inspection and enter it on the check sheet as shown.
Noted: 11:17
